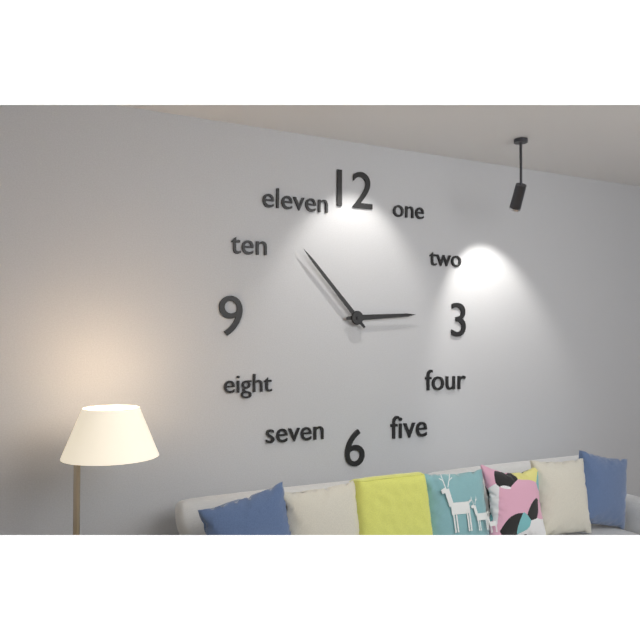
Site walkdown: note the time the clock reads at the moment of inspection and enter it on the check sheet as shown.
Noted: 2:53
